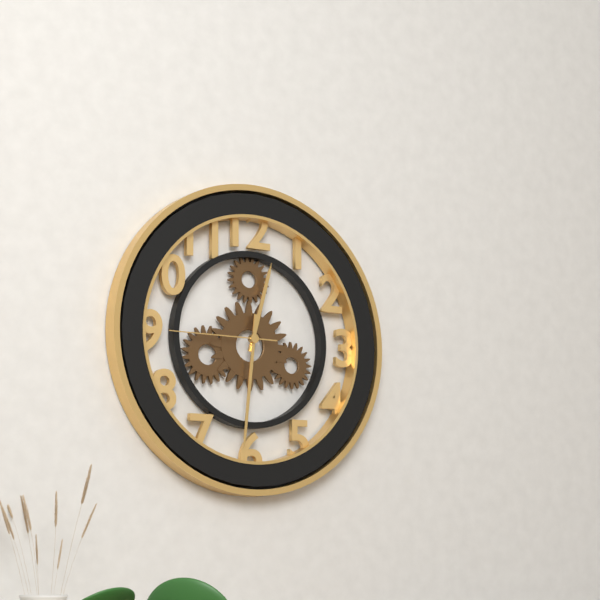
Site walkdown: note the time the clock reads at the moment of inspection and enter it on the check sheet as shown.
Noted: 12:31:45
